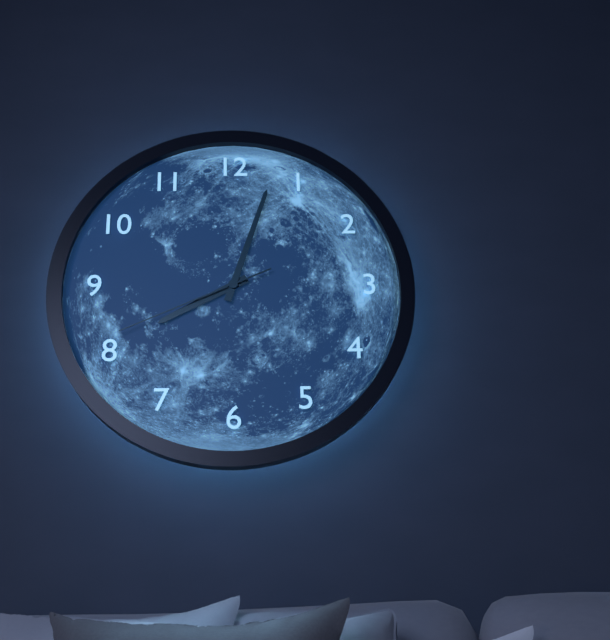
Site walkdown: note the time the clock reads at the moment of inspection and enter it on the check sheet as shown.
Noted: 8:03:41
